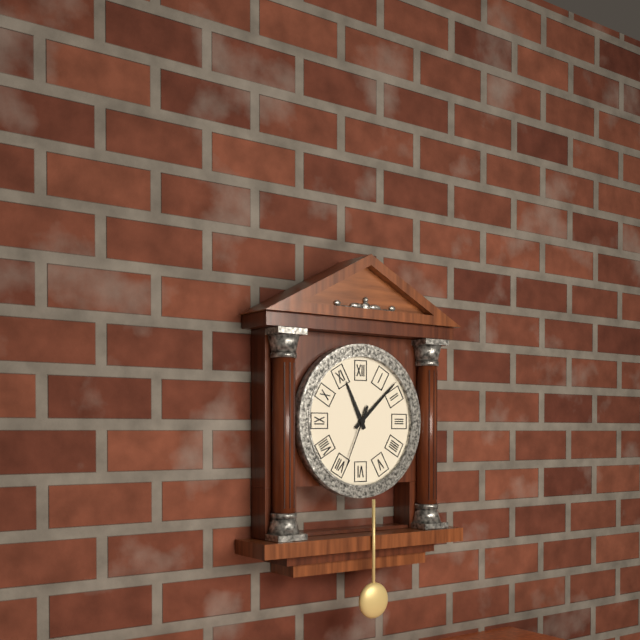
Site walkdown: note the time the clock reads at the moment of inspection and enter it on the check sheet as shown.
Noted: 11:08:34
